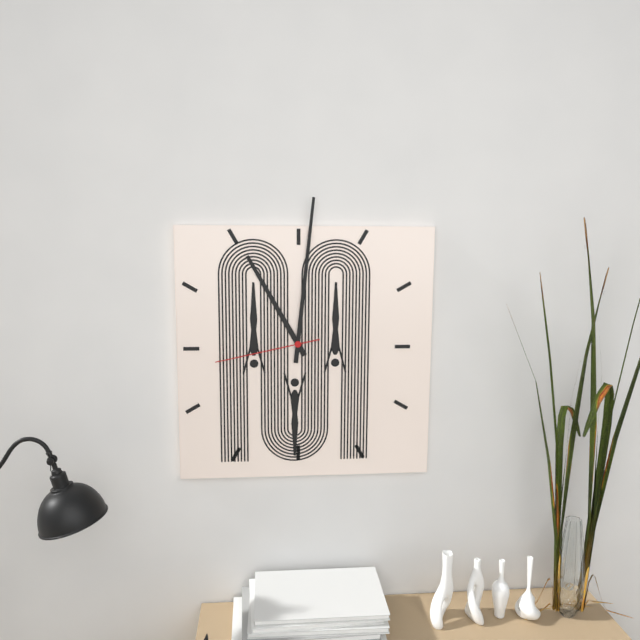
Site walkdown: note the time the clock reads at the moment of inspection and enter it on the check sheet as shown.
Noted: 11:01:43
